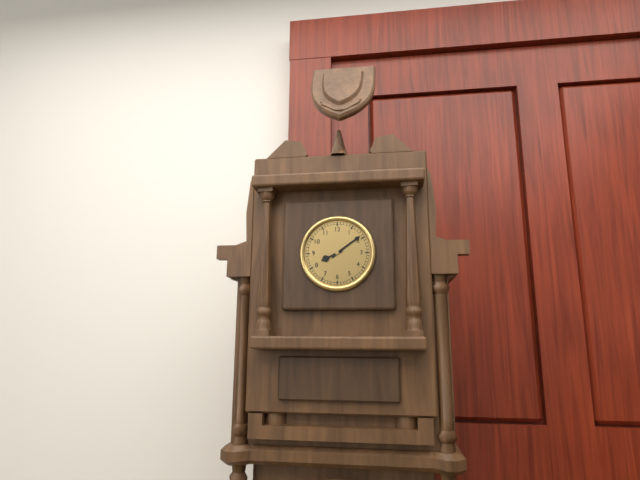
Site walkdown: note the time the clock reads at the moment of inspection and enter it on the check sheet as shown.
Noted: 8:09
